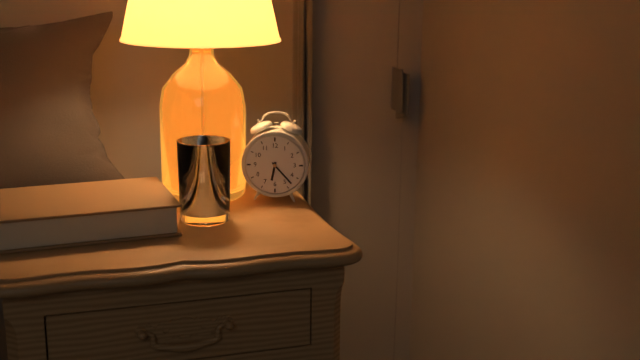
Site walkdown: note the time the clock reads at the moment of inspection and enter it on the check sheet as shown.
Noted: 6:23
